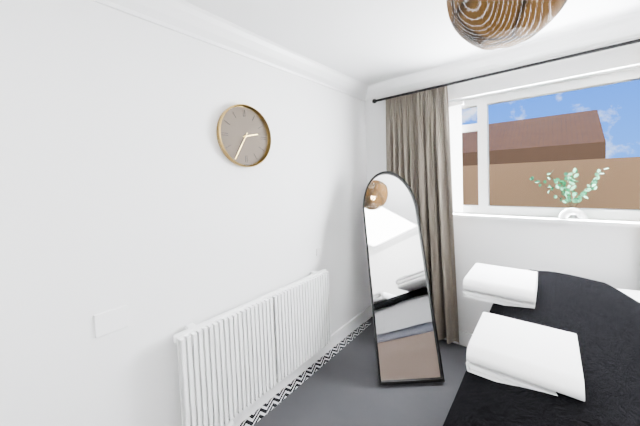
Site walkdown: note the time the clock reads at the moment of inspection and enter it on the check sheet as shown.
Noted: 2:35
